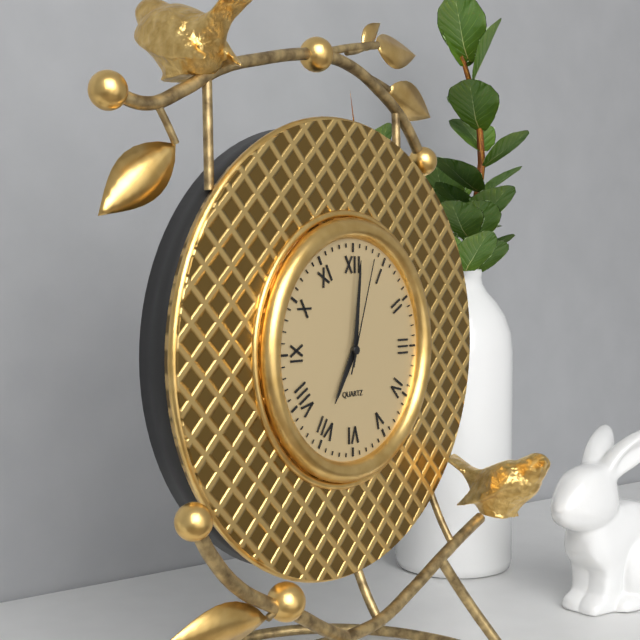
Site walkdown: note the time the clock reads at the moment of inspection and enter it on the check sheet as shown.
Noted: 7:01:03
